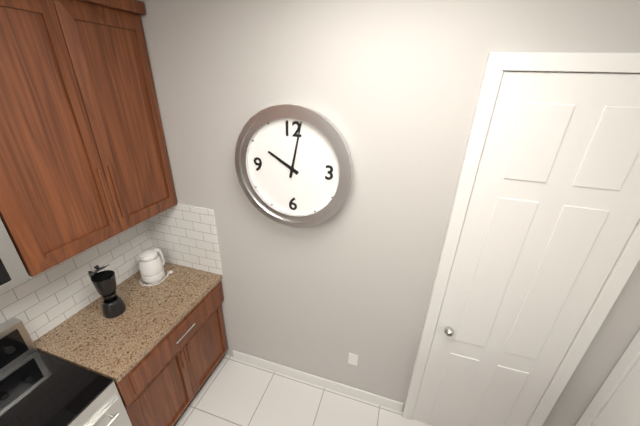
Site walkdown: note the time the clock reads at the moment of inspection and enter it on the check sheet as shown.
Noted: 10:02
